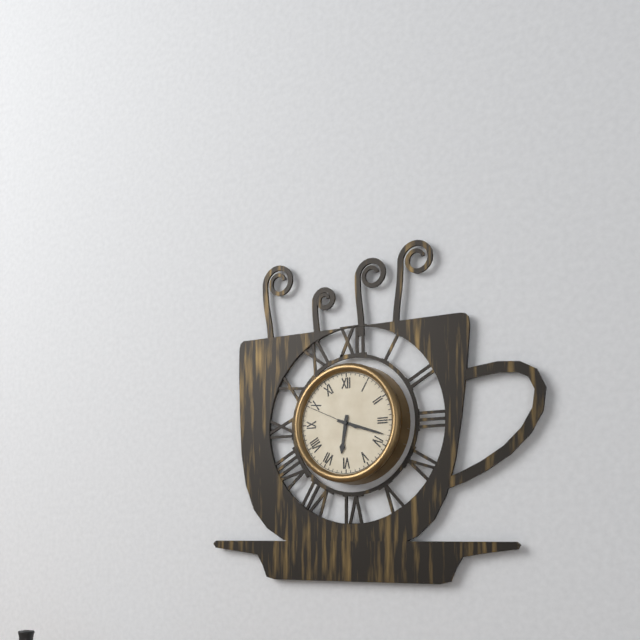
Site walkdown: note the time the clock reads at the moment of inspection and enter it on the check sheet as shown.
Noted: 6:18:49
